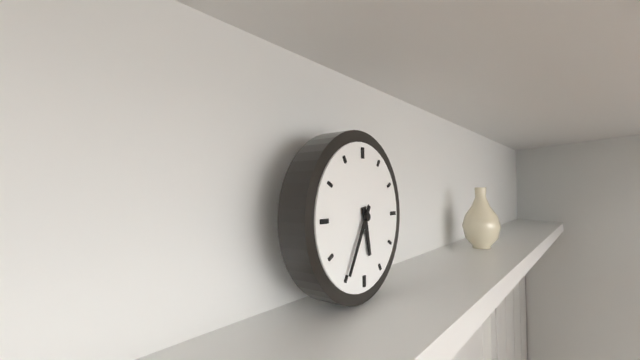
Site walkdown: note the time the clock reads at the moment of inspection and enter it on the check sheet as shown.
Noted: 5:35
